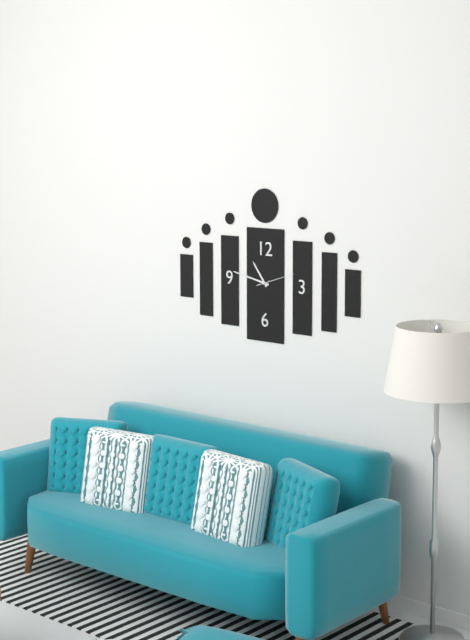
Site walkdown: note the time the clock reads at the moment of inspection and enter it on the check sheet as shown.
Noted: 10:47
